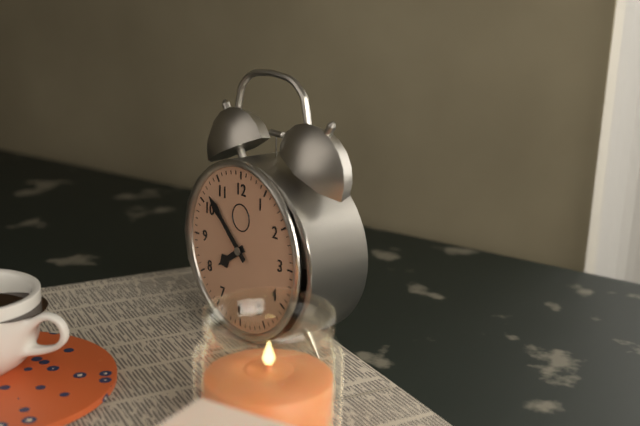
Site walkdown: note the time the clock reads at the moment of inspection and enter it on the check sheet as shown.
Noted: 7:52
